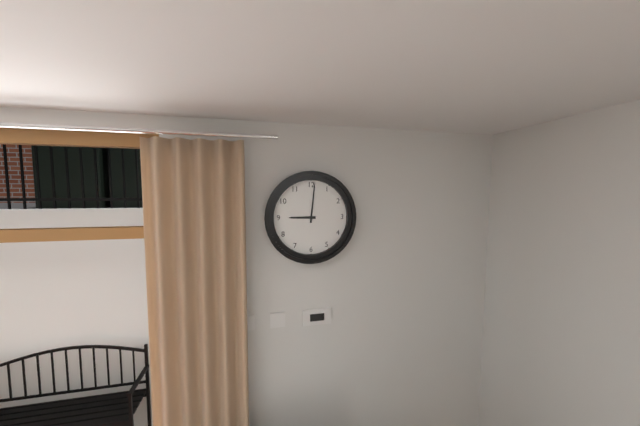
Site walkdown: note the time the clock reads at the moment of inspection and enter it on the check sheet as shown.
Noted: 9:01
